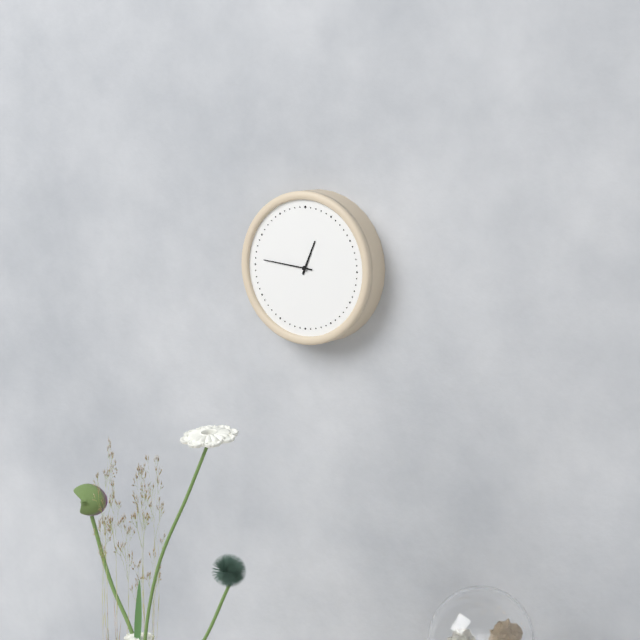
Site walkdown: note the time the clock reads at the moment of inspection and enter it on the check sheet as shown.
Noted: 12:46
